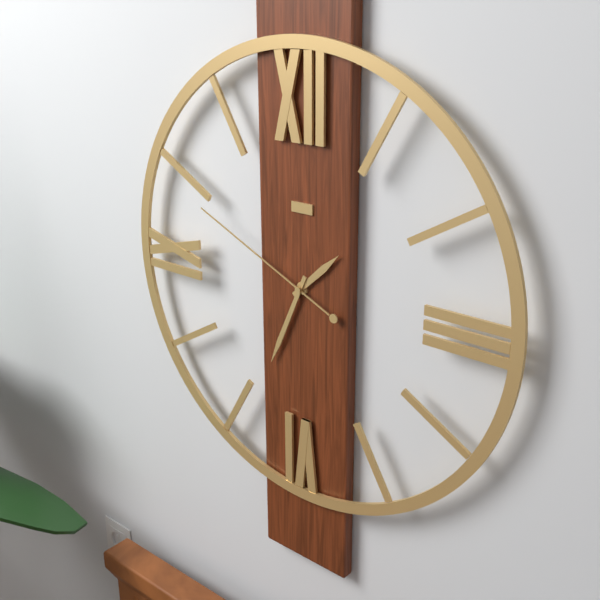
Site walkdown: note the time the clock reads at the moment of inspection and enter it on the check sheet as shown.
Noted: 1:34:49
